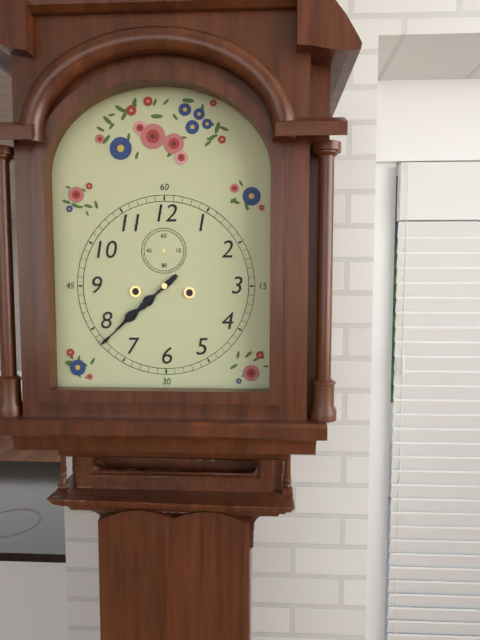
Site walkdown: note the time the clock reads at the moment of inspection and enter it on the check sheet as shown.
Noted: 7:38
